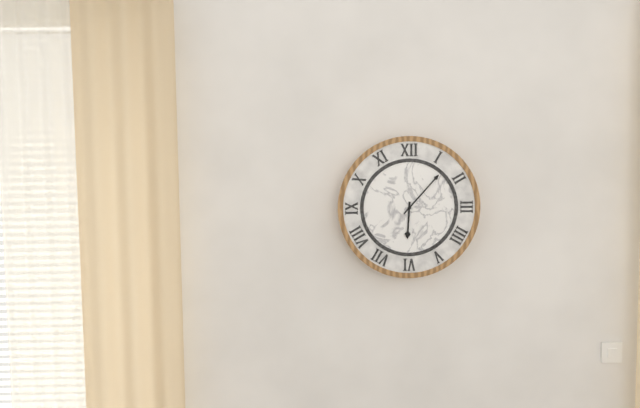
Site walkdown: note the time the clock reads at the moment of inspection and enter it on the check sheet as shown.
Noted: 6:07
